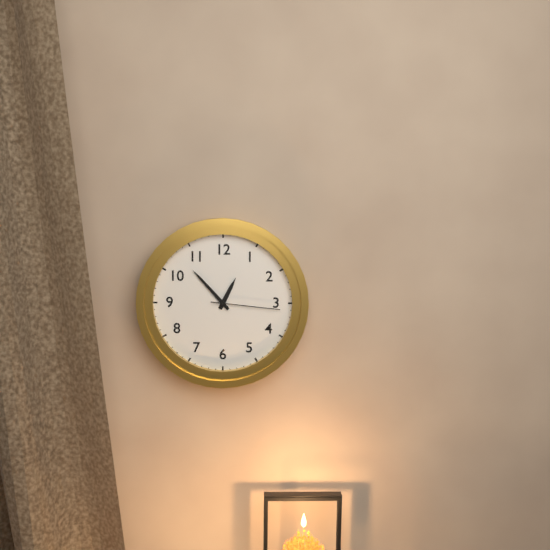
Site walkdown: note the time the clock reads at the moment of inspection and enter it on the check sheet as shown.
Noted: 12:53:16
